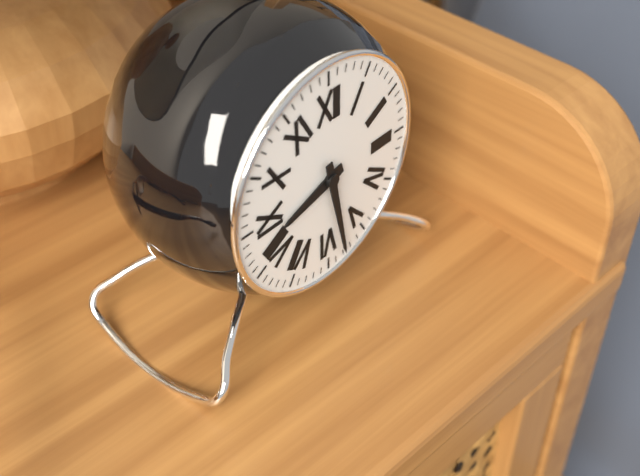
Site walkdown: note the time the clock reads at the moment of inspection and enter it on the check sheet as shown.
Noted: 8:28
